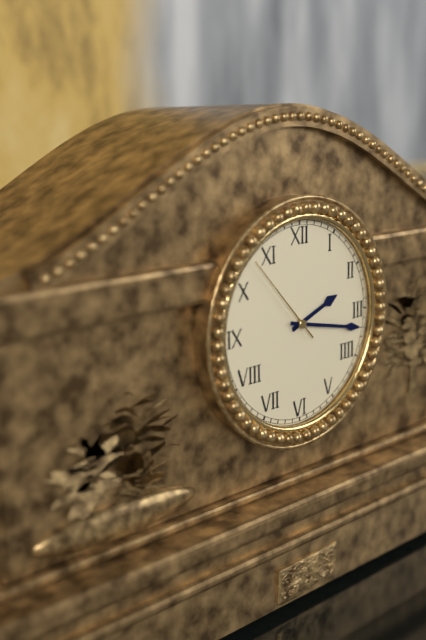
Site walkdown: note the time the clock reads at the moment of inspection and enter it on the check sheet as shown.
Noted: 2:17:53
